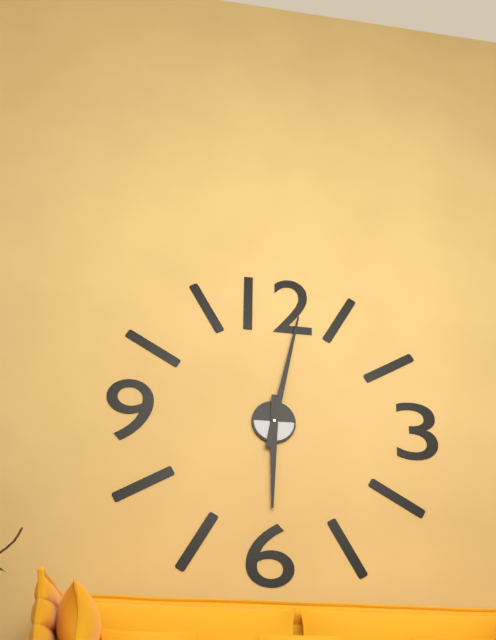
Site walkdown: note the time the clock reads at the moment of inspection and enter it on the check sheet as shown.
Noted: 6:02
